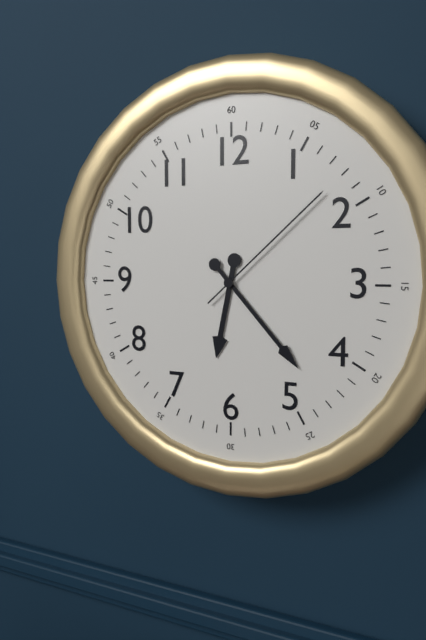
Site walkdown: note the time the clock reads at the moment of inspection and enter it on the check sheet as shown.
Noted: 6:23:08
